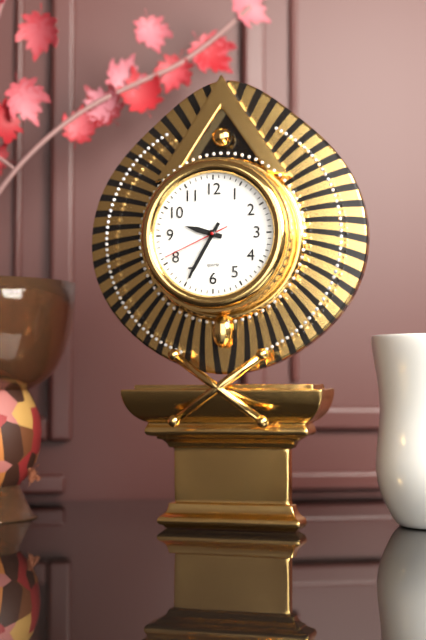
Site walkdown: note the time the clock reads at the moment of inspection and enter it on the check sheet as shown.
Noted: 9:35:41
